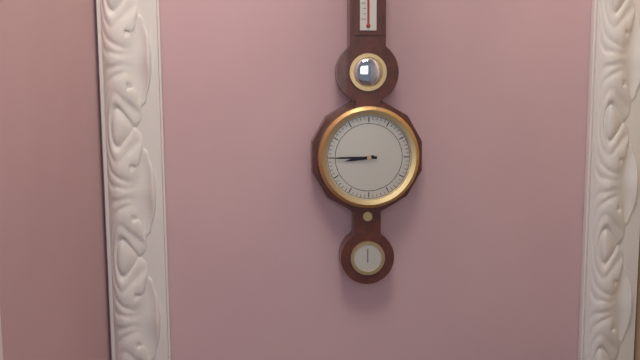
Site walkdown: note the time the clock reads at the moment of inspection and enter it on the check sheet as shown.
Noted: 8:45
